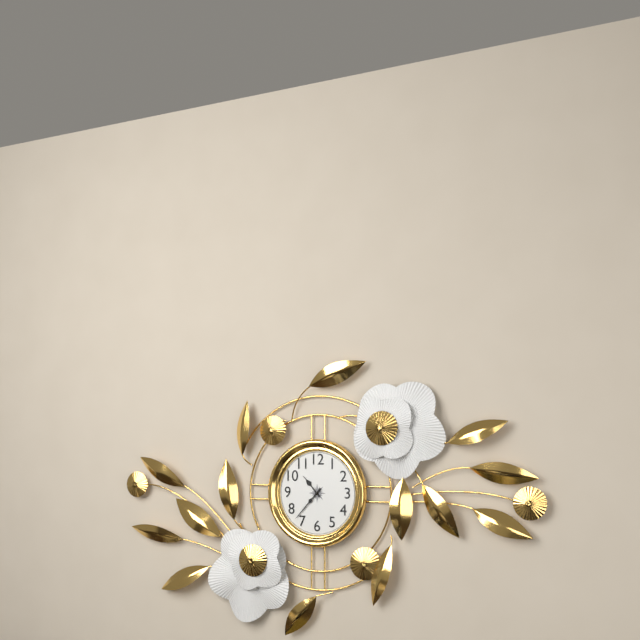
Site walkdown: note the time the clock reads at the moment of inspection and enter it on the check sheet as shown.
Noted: 10:37
